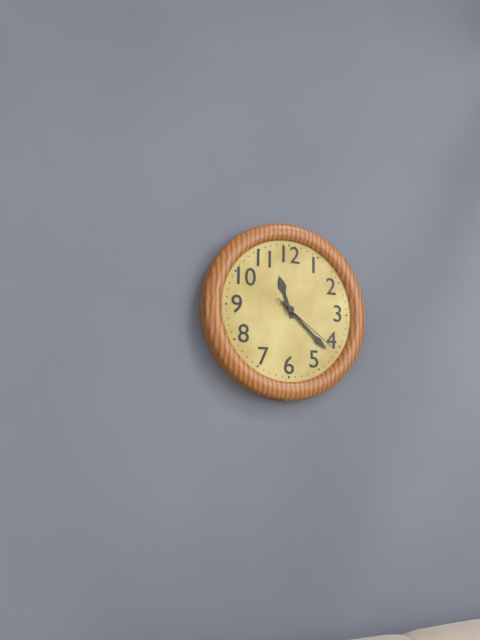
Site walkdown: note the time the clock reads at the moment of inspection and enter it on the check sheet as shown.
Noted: 11:22:21
